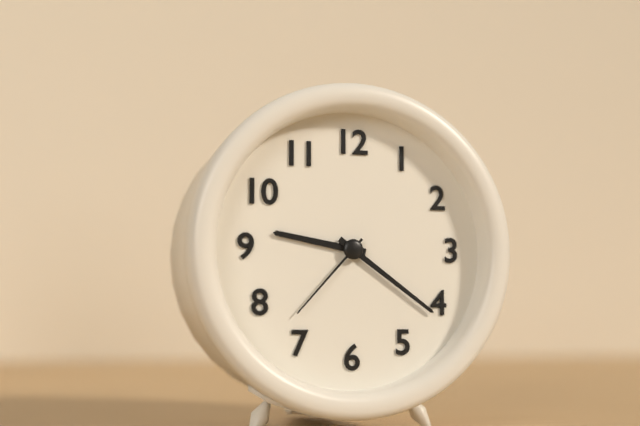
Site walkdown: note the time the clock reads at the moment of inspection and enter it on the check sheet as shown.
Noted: 9:21:37
